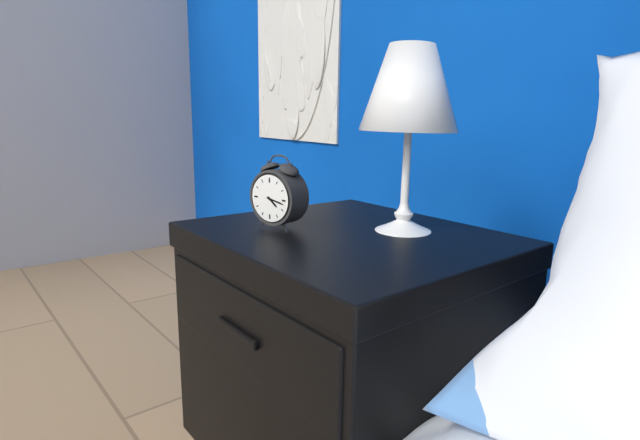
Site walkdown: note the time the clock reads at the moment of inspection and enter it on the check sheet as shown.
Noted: 4:17
